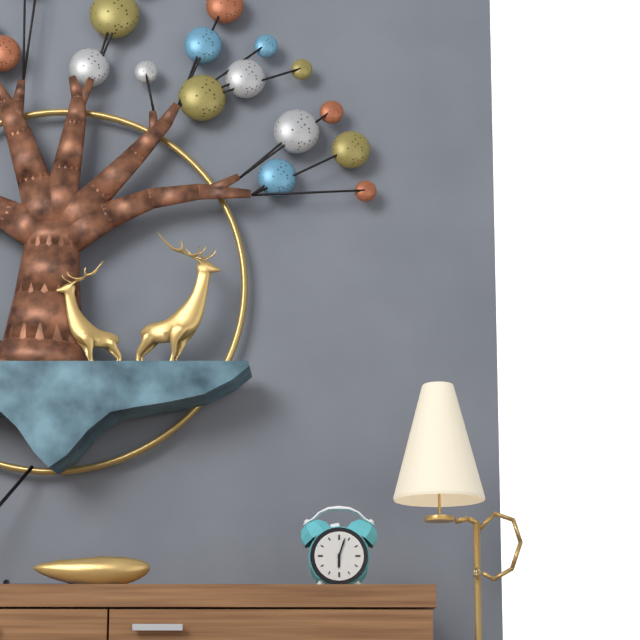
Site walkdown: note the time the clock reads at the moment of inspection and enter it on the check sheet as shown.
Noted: 6:03
